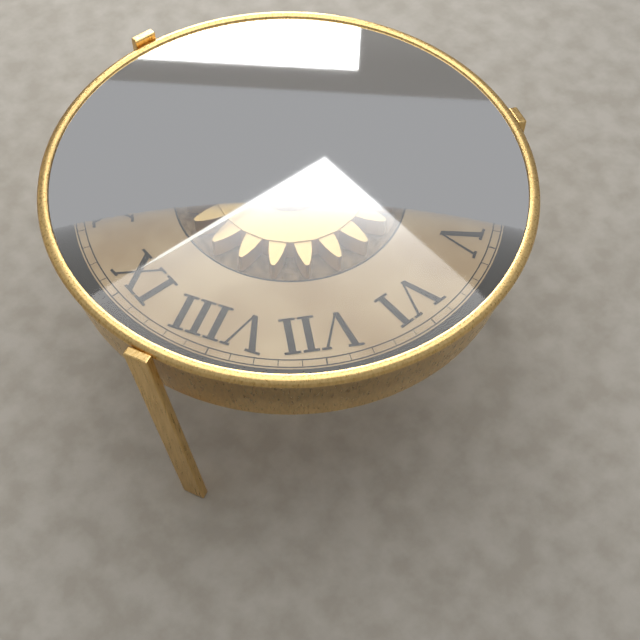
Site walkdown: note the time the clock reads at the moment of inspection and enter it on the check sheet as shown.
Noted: 10:45
